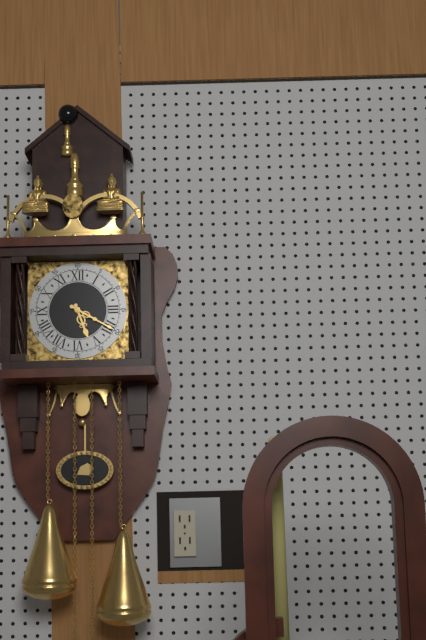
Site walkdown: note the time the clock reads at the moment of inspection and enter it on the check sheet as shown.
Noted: 5:20
